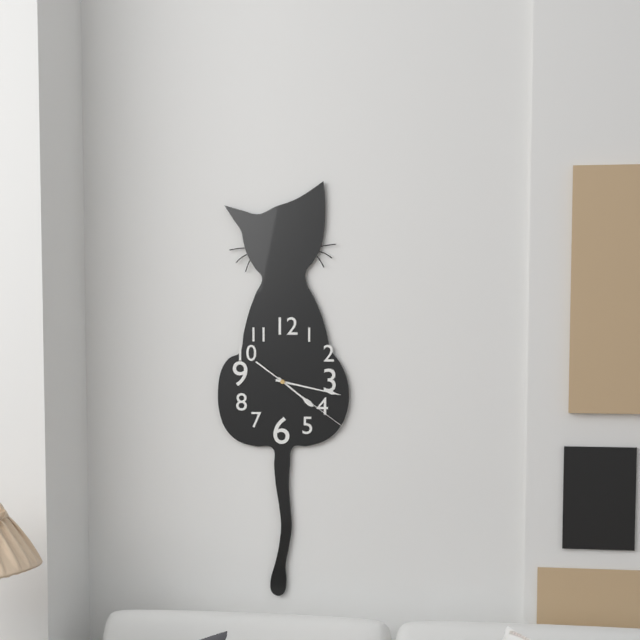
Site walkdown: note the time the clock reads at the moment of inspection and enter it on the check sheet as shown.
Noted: 4:17:21
